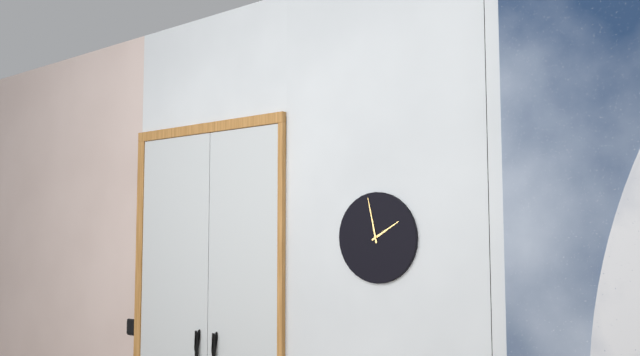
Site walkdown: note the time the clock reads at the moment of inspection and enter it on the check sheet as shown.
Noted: 1:58
